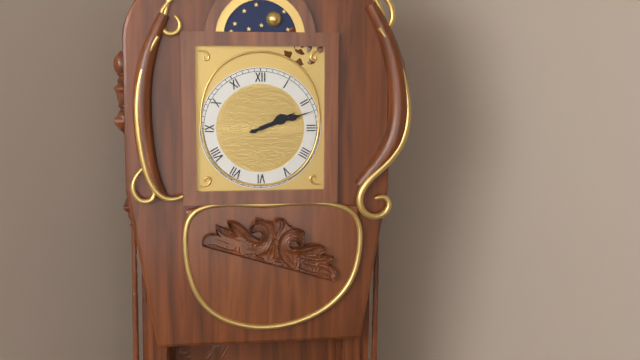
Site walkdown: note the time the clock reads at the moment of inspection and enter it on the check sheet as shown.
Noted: 2:12
